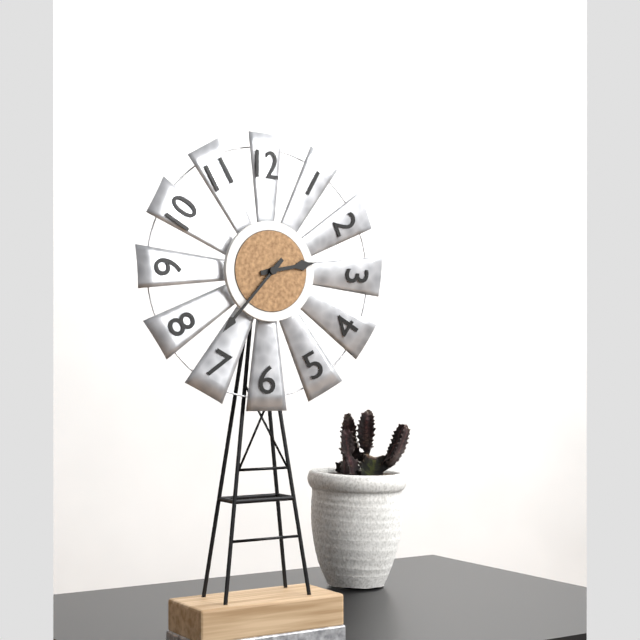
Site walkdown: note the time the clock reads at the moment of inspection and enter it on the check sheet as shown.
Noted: 2:37
